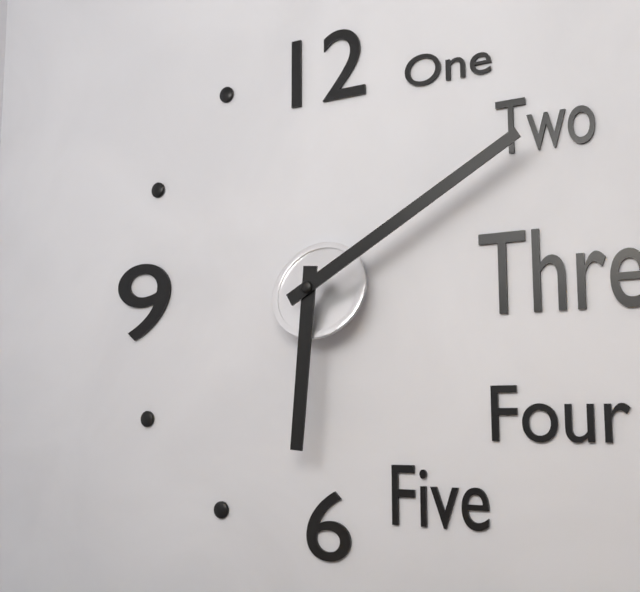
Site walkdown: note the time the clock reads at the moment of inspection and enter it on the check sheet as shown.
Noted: 6:10
